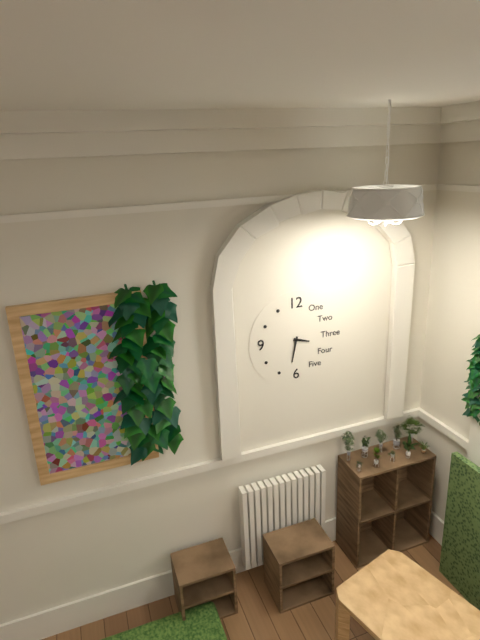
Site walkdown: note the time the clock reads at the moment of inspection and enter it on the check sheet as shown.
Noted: 3:32
